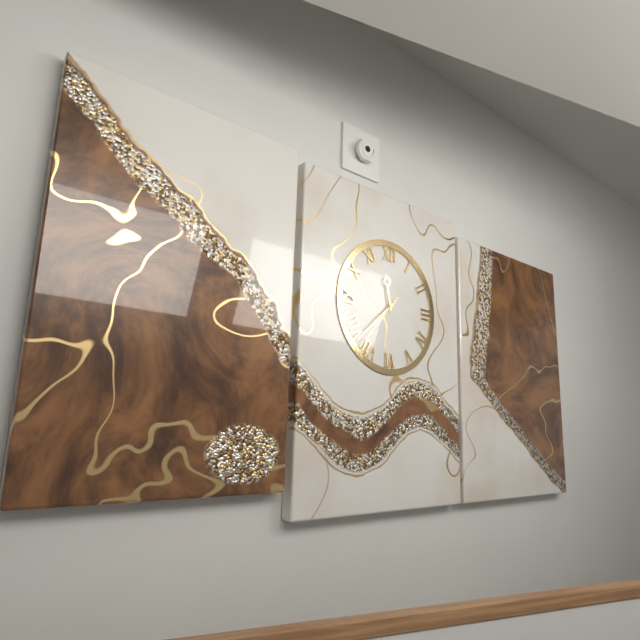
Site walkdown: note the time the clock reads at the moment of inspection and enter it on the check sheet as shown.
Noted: 11:38:37
